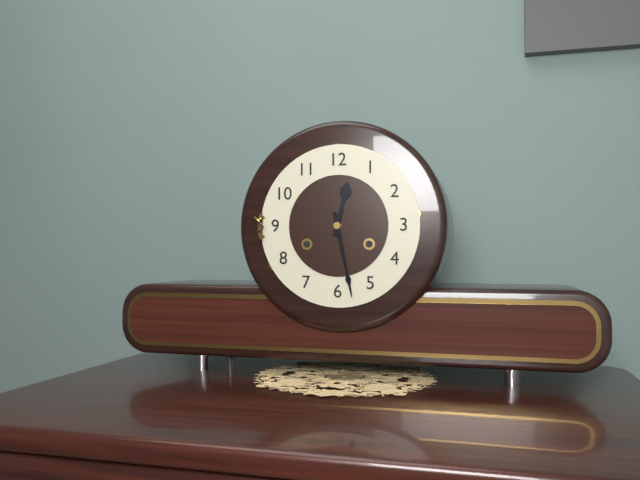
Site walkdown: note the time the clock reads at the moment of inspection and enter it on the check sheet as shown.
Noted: 12:28
